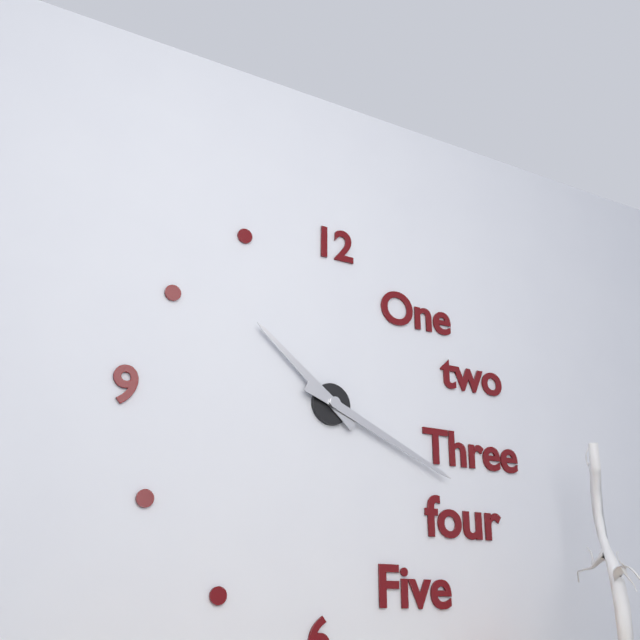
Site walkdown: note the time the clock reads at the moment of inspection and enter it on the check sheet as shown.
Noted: 10:19
